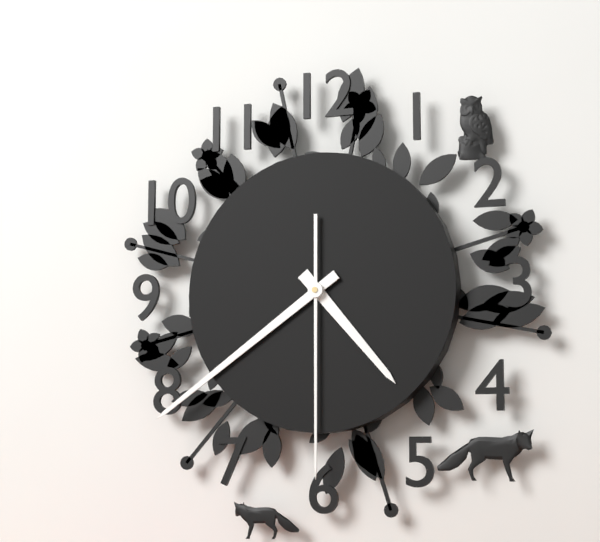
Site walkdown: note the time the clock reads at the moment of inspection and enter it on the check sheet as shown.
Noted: 4:39:30
